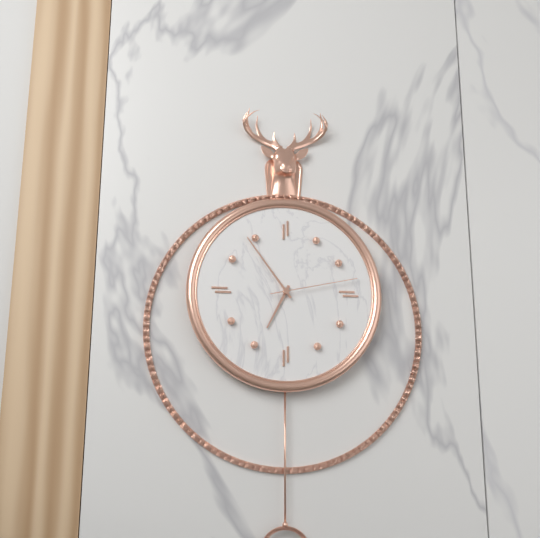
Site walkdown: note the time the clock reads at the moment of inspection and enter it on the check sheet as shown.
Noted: 6:54:13
